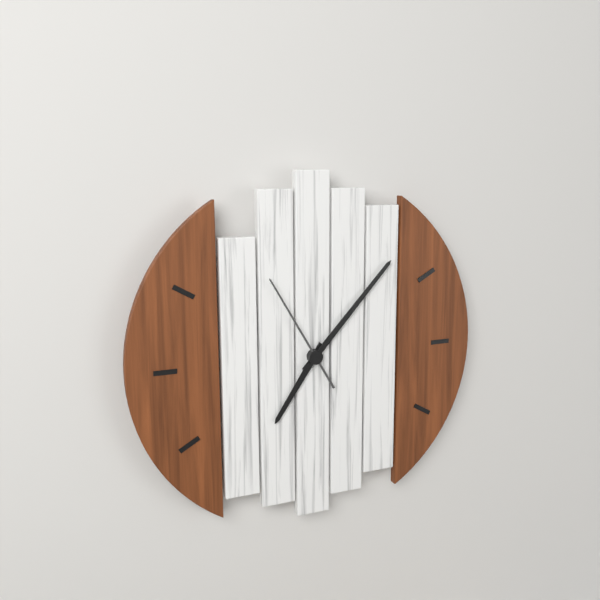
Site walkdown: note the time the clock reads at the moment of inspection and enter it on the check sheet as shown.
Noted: 7:07:55
